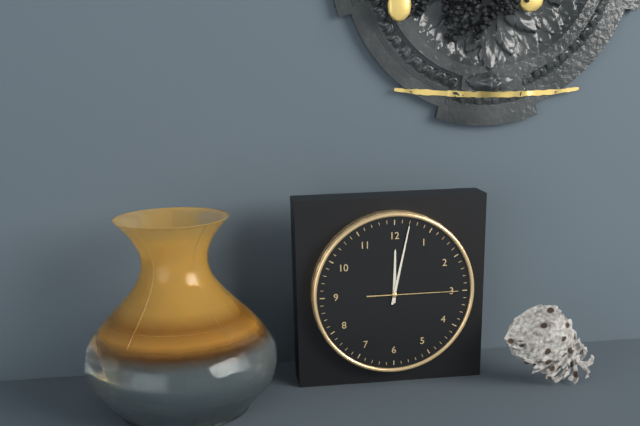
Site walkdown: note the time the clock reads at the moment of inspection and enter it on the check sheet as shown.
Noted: 12:02:15
